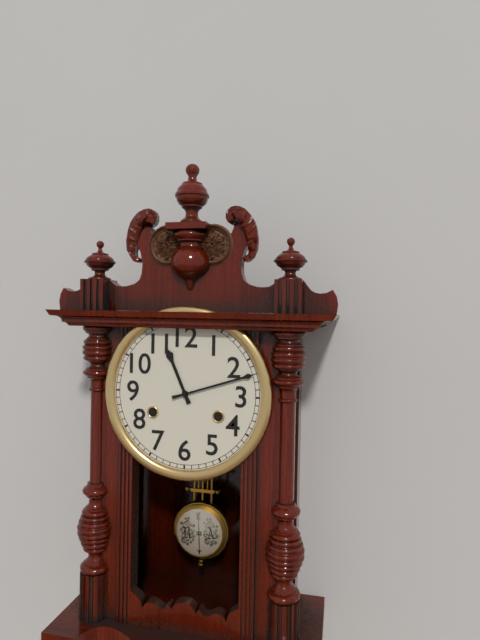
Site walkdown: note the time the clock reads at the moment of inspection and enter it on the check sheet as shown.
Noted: 11:12
